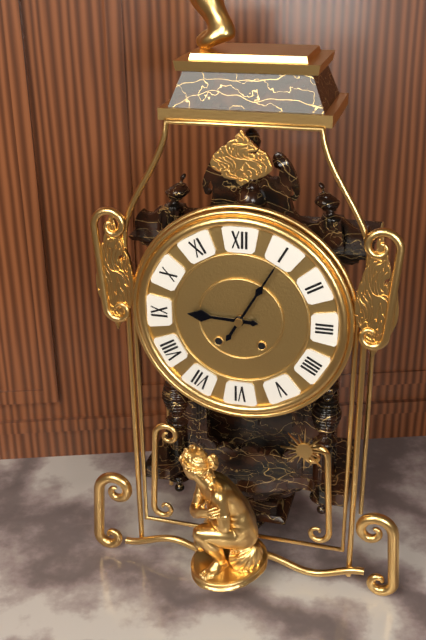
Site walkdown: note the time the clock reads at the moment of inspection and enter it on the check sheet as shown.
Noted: 9:05
